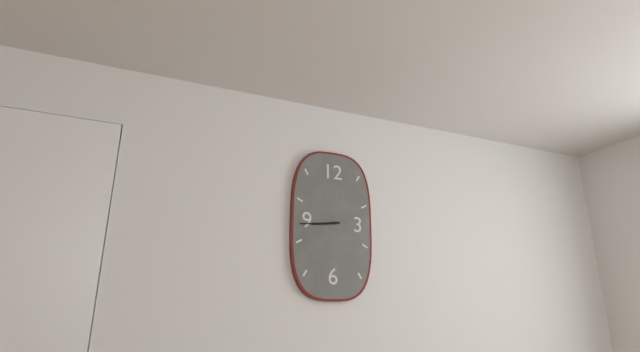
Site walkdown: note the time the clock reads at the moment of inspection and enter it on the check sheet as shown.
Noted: 8:44
